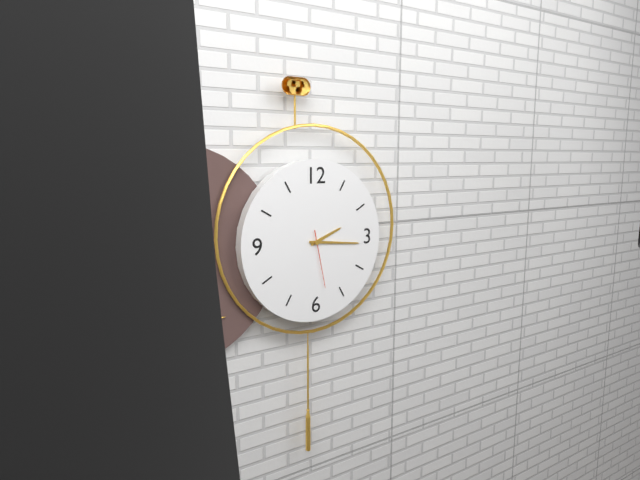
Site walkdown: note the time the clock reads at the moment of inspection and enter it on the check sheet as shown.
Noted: 2:16:28
